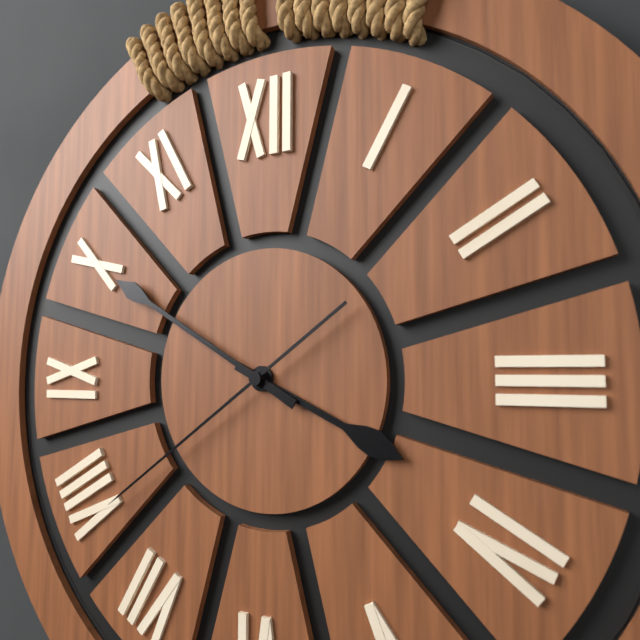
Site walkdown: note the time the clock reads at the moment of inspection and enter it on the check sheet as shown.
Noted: 3:50:39
